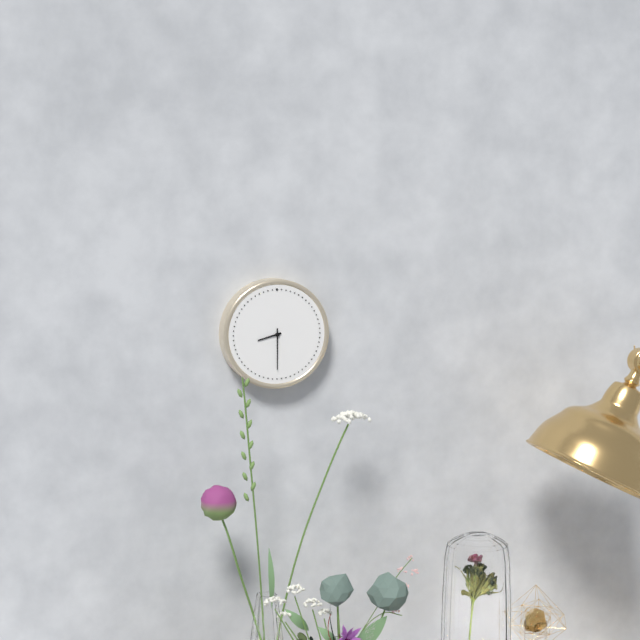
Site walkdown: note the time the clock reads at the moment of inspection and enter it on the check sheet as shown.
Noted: 8:30
